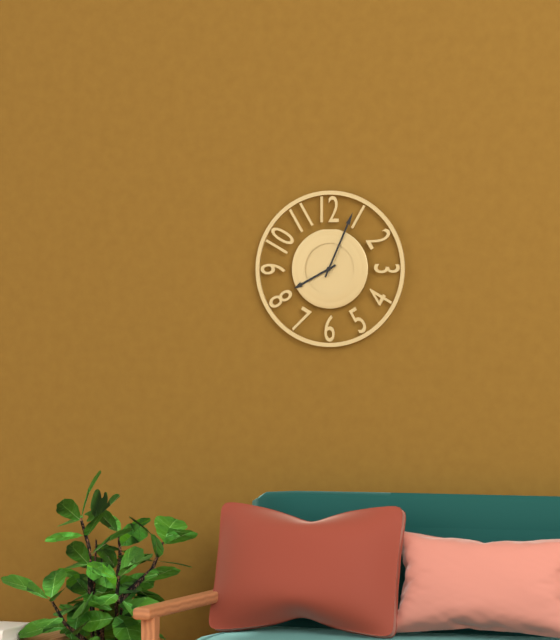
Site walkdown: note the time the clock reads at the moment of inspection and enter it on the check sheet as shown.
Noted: 8:04
